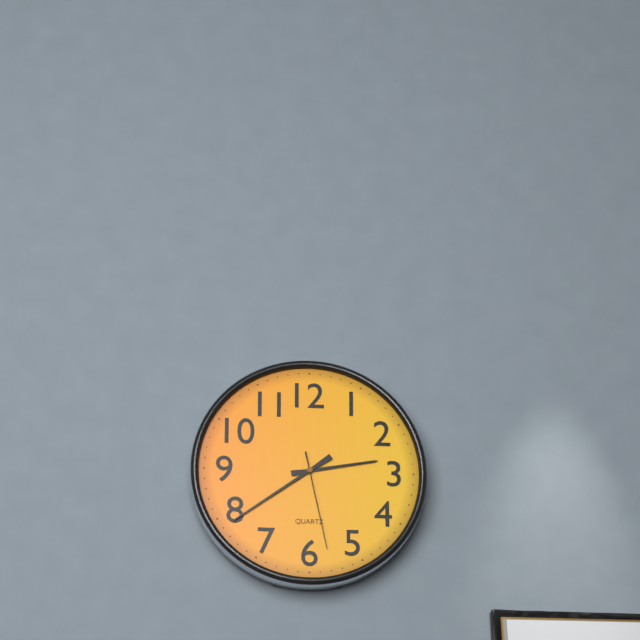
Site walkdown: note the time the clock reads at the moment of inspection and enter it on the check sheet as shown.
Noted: 2:39:28
